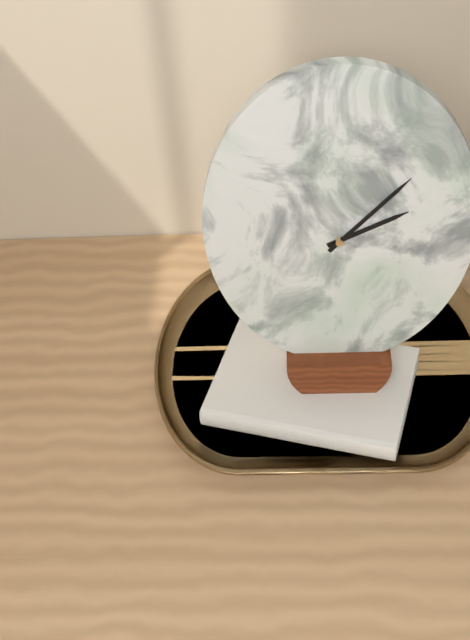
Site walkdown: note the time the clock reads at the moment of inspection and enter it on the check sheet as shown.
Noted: 2:07
